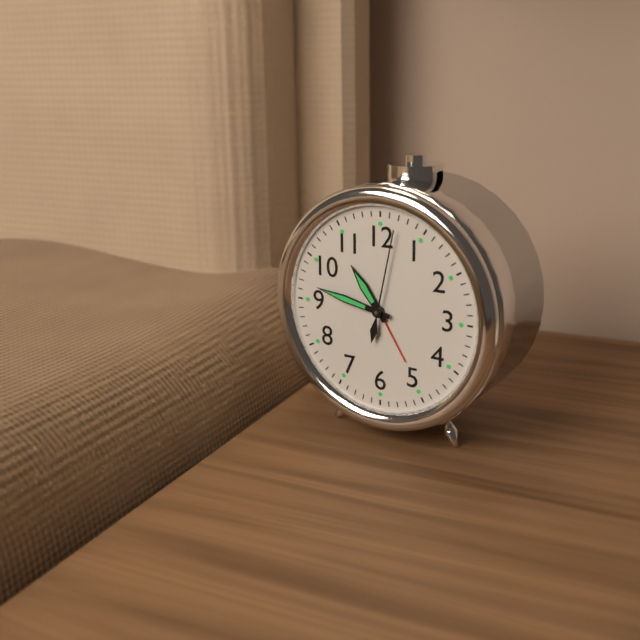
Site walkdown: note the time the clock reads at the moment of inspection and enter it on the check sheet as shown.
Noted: 10:47:02
